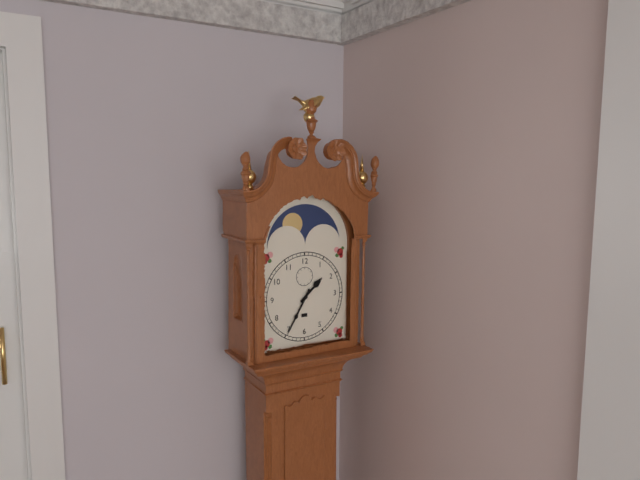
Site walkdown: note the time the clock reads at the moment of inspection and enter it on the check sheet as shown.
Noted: 1:35
